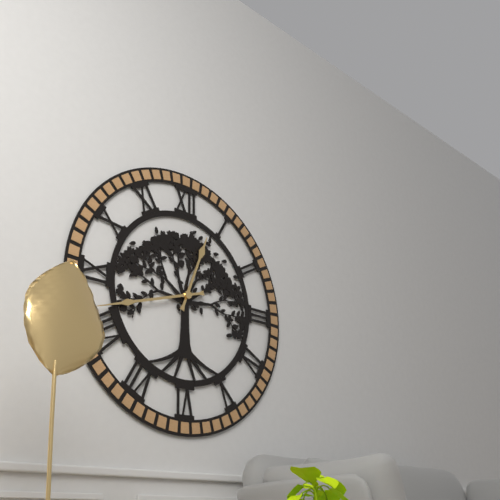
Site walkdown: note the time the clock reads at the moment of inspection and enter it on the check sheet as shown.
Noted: 12:42
